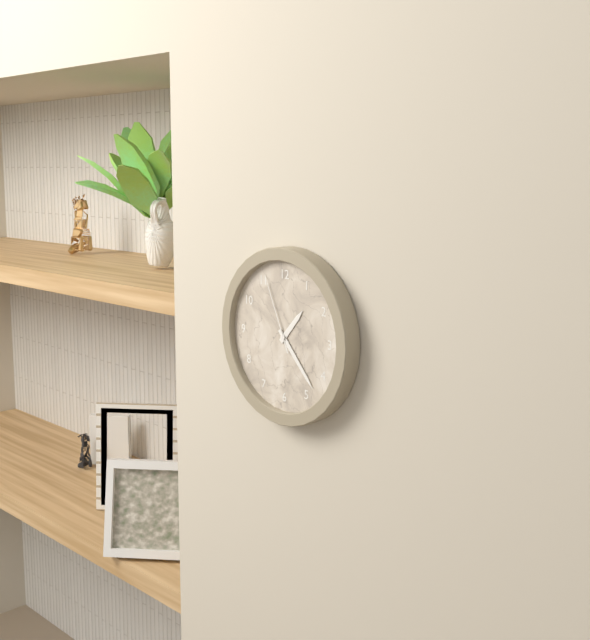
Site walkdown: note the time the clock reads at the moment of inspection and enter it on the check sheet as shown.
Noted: 1:23:56
